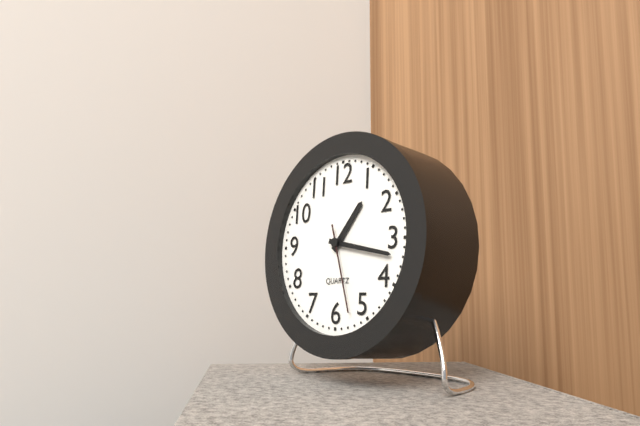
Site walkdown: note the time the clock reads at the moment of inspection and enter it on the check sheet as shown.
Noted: 1:17:27
